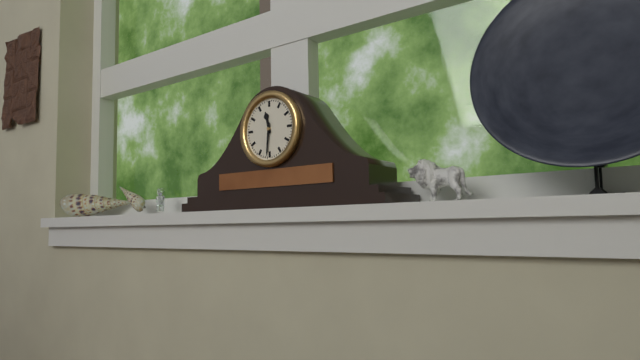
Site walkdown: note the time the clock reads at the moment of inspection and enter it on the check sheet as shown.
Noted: 11:31
